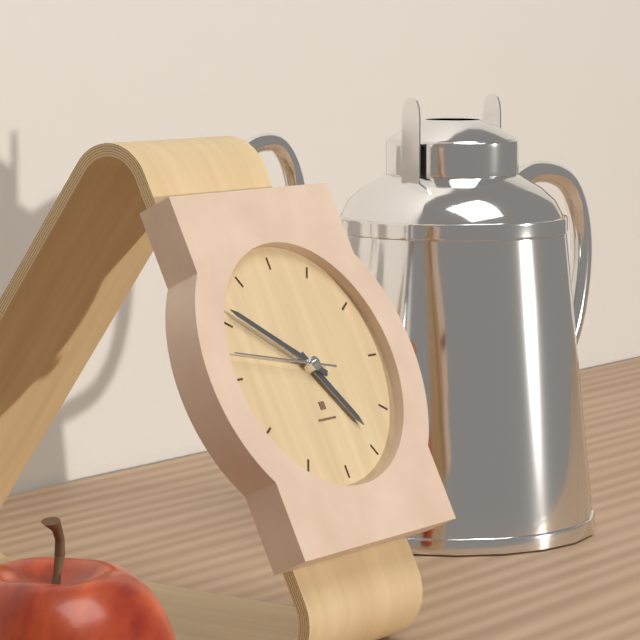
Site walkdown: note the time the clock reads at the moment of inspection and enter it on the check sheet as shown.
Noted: 4:51:47
